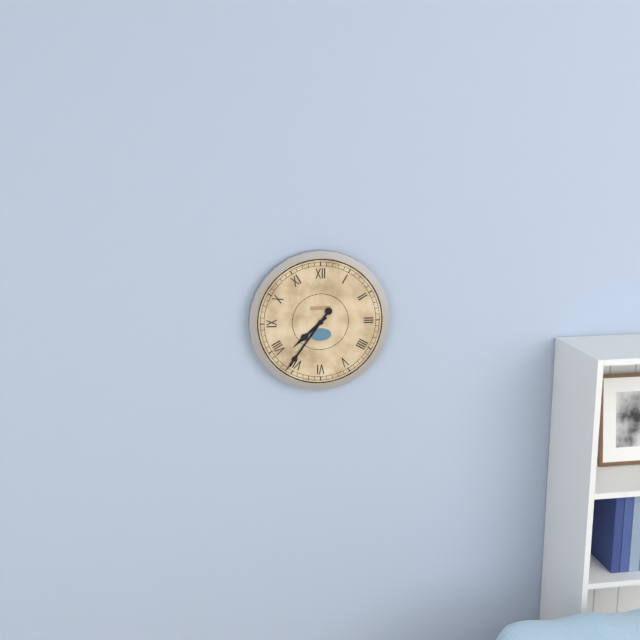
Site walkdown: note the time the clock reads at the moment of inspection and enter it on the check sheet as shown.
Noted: 7:36
